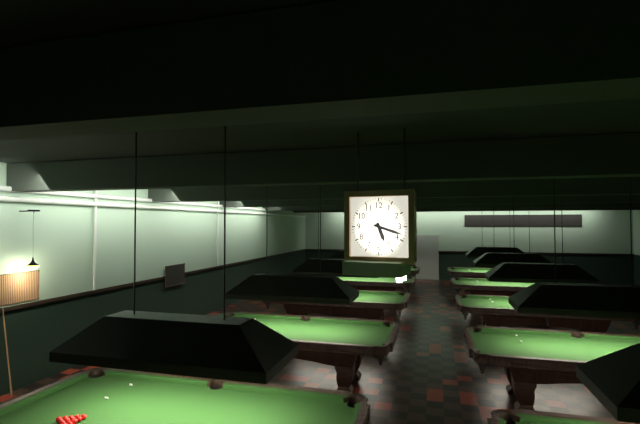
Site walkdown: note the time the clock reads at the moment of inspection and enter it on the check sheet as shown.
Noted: 5:18
